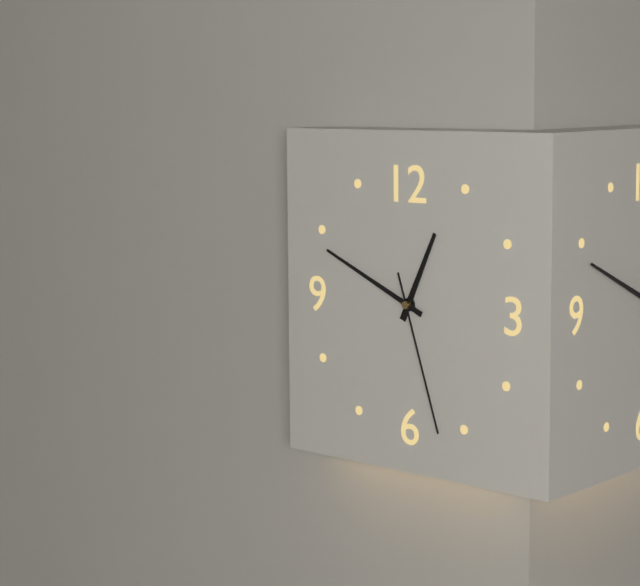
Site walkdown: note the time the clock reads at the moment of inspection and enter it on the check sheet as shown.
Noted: 12:49:27
